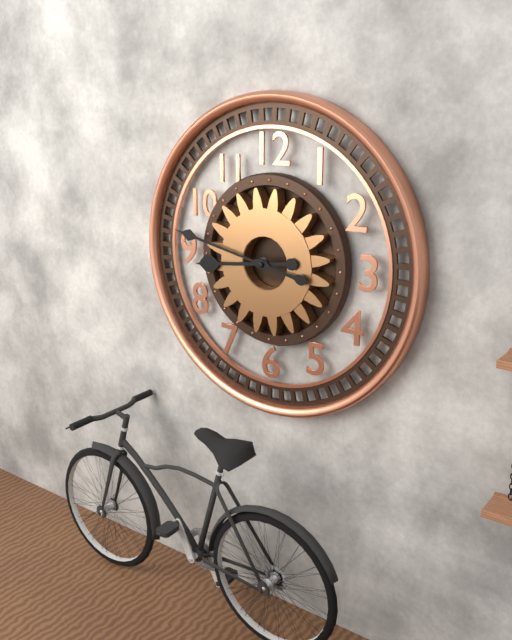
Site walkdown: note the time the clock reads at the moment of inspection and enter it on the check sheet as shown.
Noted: 8:47
